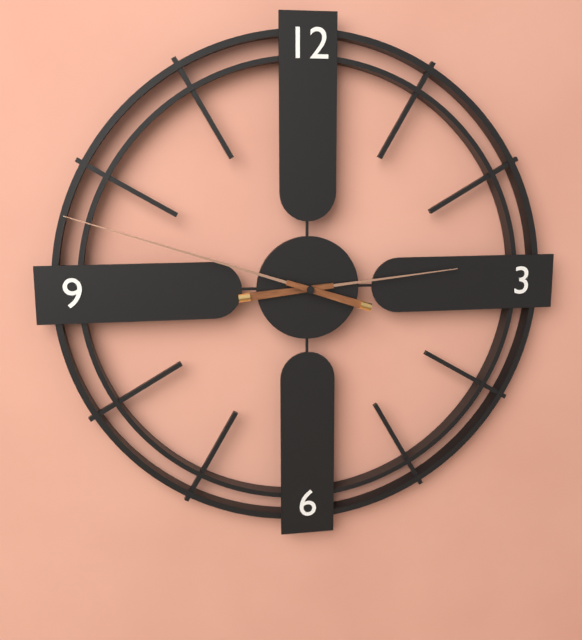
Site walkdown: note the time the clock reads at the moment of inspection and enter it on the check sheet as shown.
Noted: 2:48
